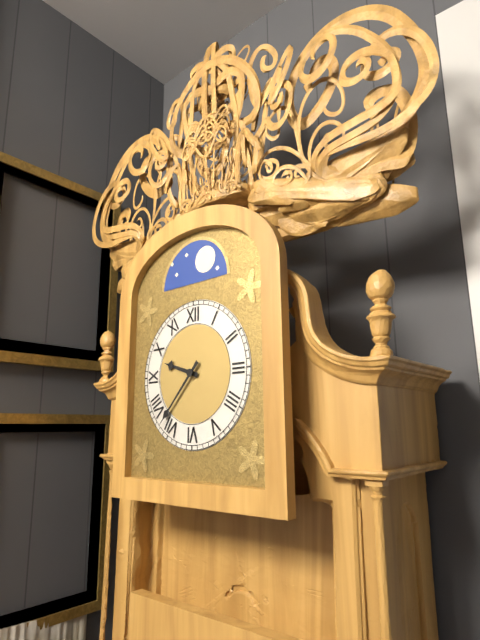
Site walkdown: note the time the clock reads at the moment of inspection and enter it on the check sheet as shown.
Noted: 9:37
